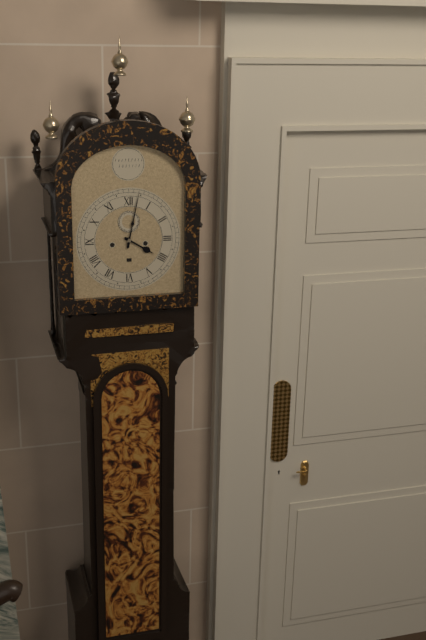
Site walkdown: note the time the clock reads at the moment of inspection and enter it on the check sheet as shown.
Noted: 4:02
